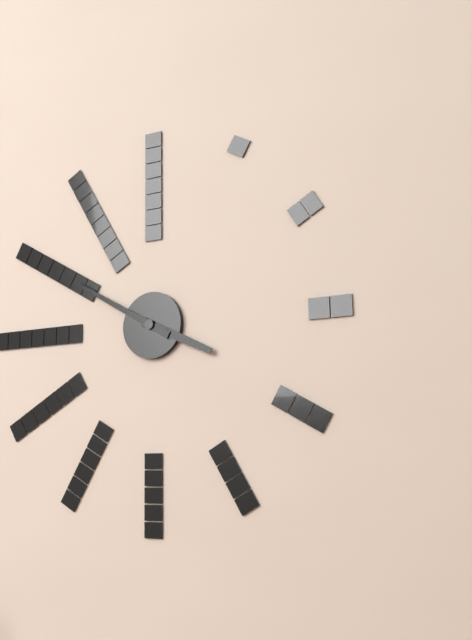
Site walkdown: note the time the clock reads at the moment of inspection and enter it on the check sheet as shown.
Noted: 3:50
